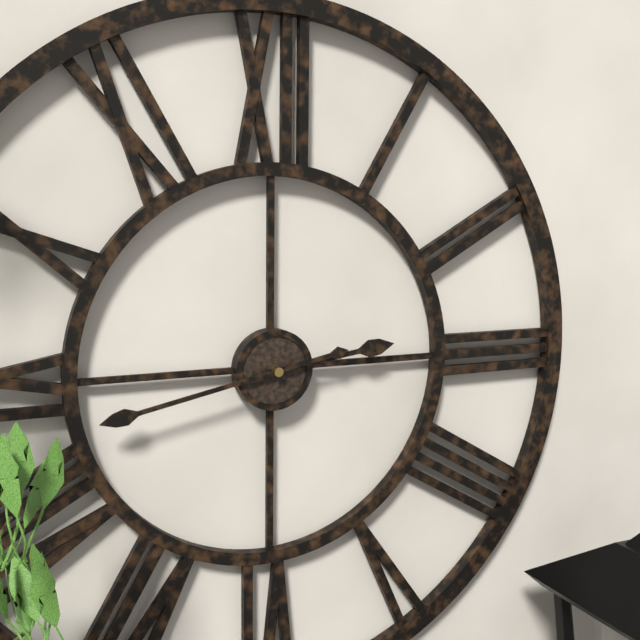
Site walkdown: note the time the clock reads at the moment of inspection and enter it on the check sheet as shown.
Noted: 2:43
